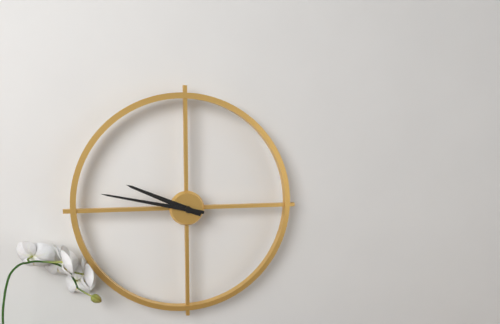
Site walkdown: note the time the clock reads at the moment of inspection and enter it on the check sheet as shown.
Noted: 9:47
